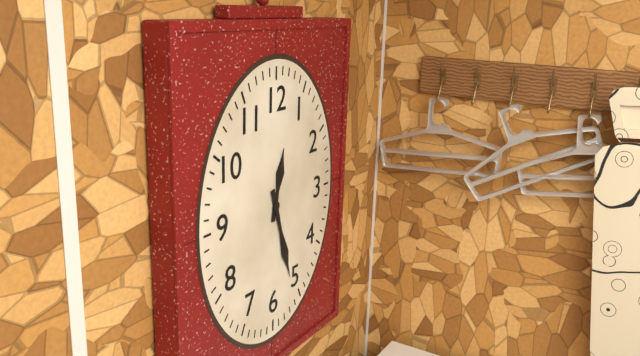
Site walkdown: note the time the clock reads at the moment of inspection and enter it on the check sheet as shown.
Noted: 12:27
